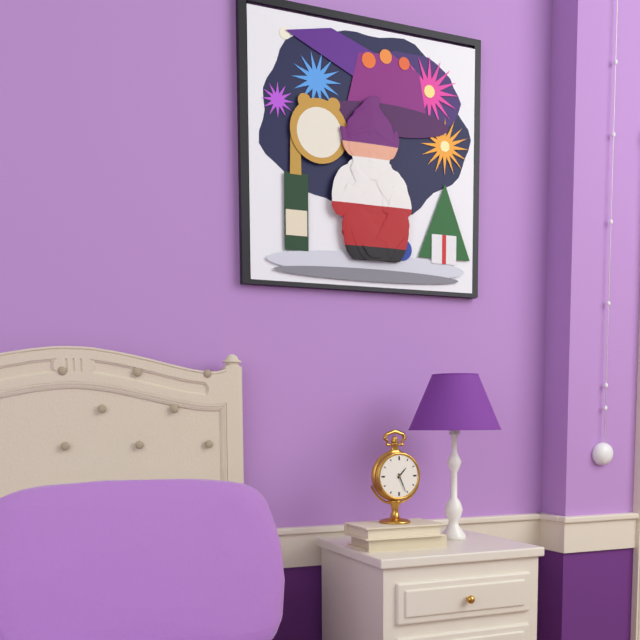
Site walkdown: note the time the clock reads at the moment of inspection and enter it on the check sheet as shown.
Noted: 1:26
